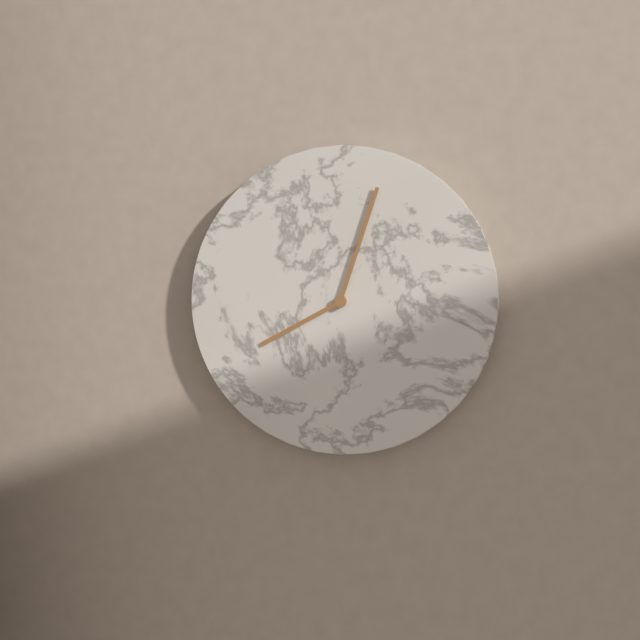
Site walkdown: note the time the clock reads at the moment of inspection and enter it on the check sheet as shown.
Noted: 8:03
